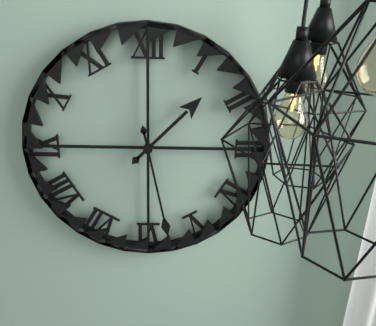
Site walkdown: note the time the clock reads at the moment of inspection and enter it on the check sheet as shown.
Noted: 1:28
